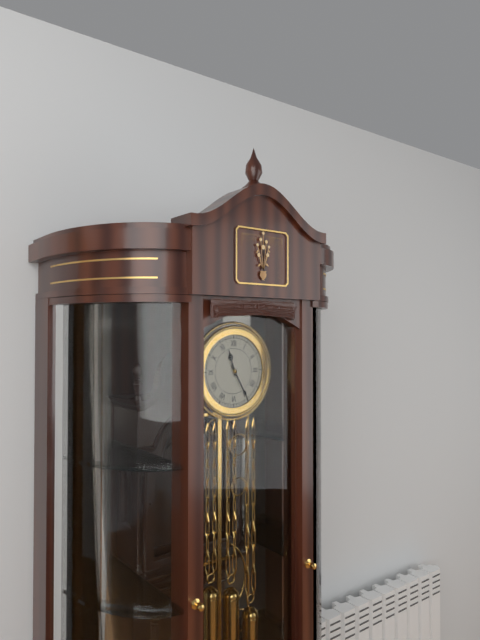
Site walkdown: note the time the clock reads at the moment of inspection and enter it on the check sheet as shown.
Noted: 11:25
